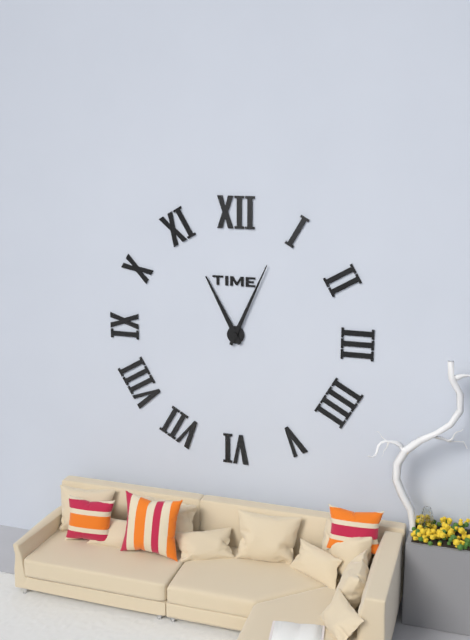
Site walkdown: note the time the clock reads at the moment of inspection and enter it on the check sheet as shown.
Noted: 11:04
